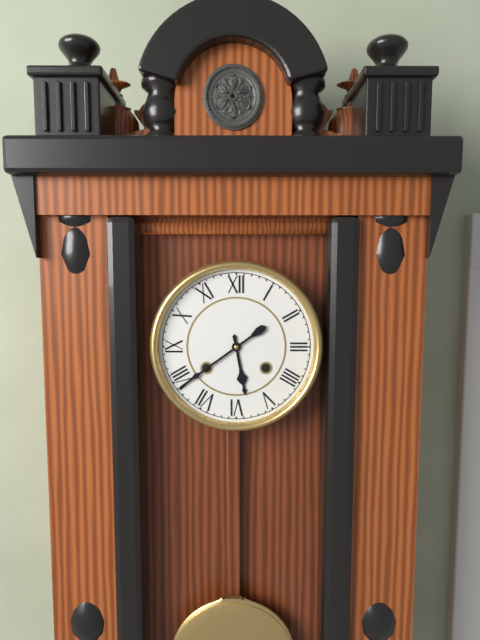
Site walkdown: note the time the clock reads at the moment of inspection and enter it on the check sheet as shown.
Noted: 5:39
